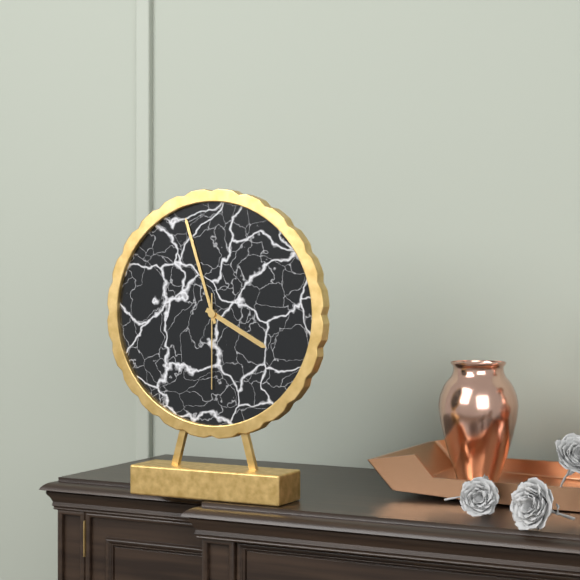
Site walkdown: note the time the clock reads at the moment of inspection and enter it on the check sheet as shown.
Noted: 3:57:30
